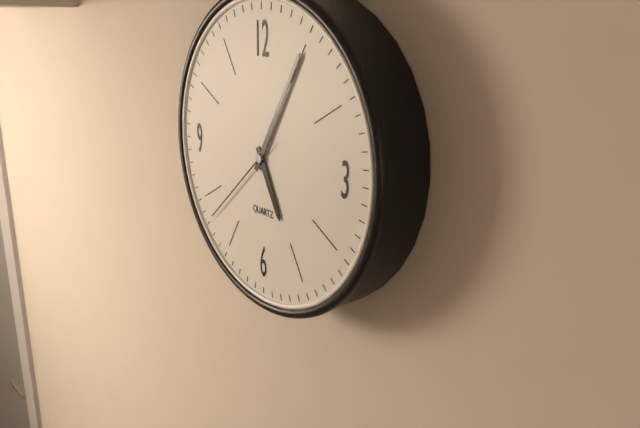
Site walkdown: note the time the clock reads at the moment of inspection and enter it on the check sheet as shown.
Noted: 5:05:38
